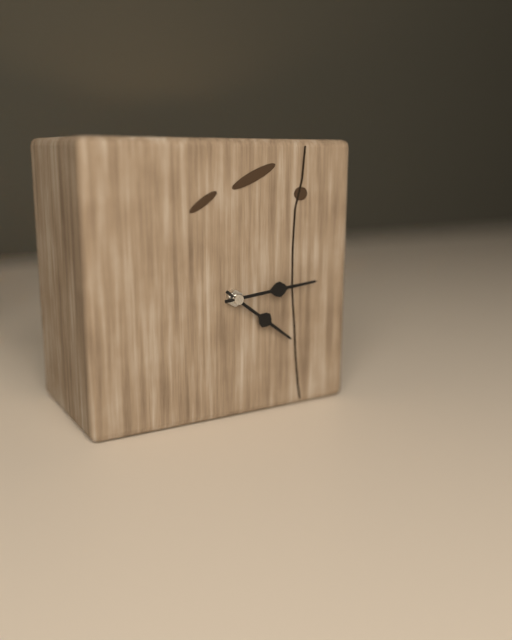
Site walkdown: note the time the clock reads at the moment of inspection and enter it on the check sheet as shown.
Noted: 4:14
